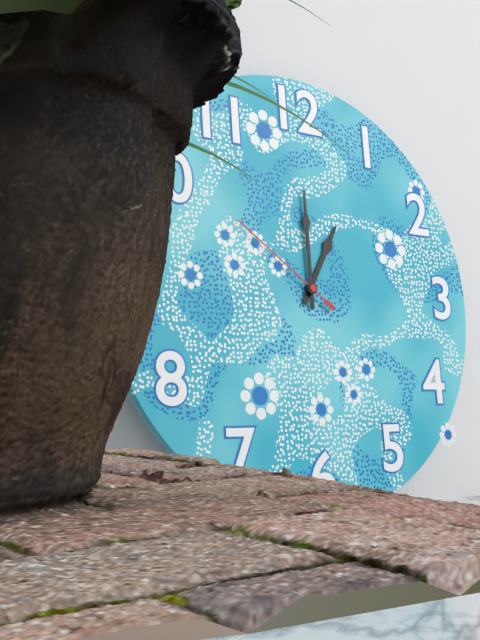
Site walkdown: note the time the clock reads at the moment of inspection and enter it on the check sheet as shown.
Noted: 1:00:51
